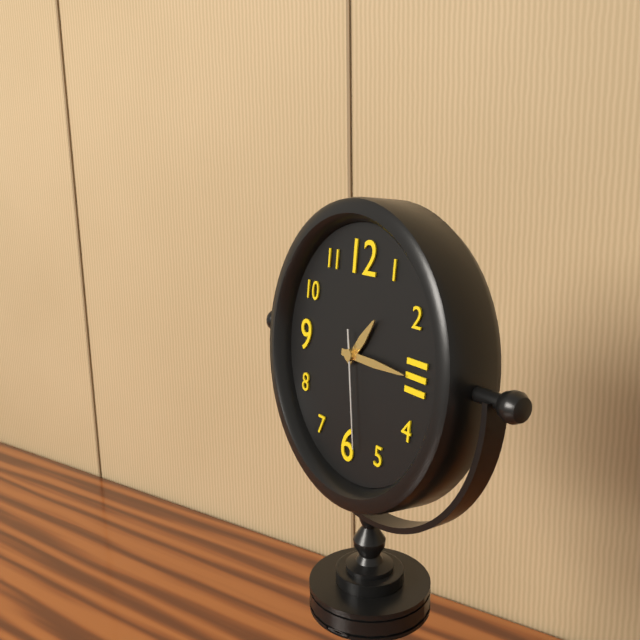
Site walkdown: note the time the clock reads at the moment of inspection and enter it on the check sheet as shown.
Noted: 1:15:28
